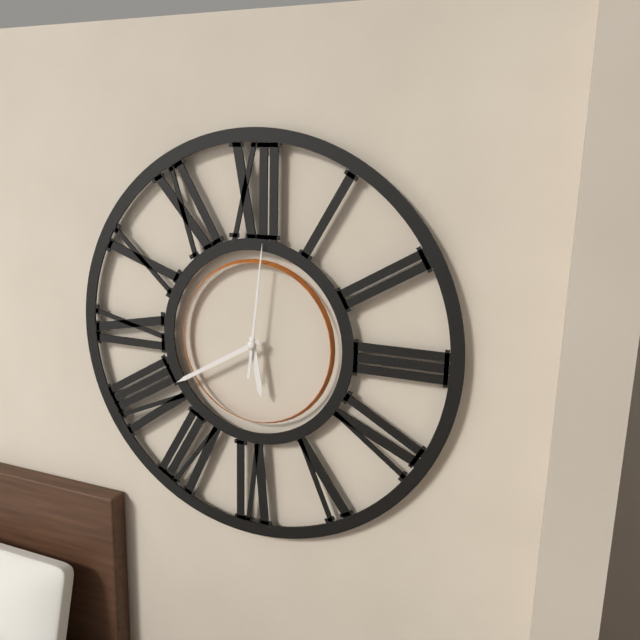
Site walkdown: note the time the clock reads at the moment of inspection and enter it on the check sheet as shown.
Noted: 5:40:01
